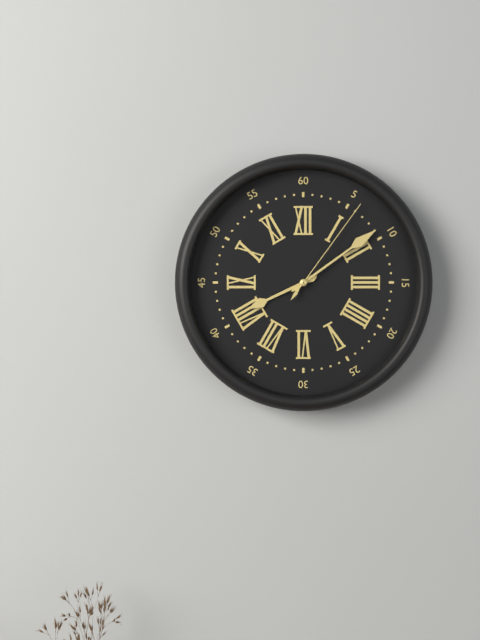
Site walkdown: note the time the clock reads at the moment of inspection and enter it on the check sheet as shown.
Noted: 8:09:06
